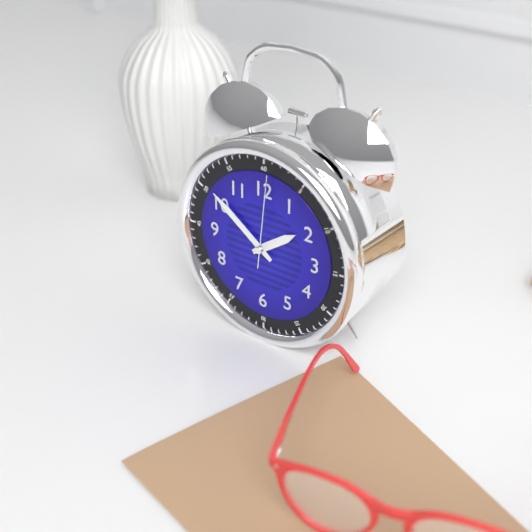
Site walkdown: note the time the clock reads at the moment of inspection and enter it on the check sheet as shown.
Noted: 1:51:01
